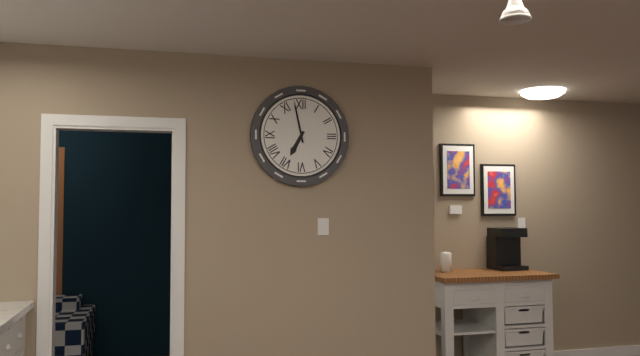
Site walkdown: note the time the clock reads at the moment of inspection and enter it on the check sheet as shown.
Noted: 6:58
